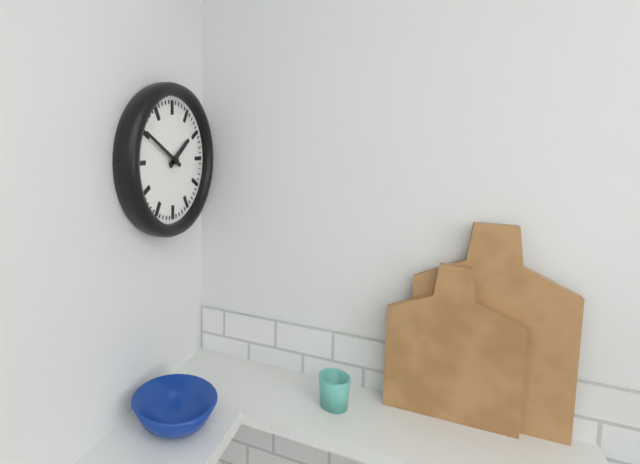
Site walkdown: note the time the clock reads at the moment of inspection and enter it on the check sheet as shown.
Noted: 1:50
